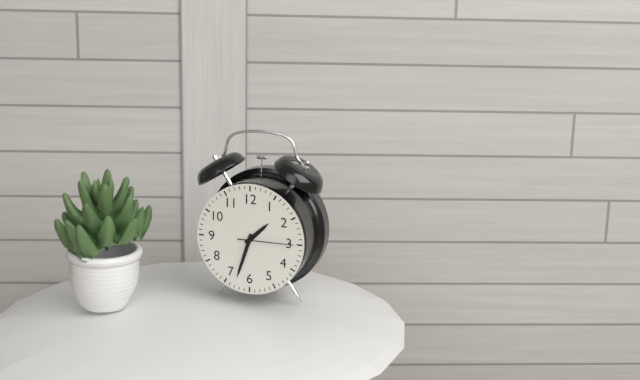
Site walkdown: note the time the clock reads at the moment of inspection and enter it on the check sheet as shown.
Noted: 1:33:15
